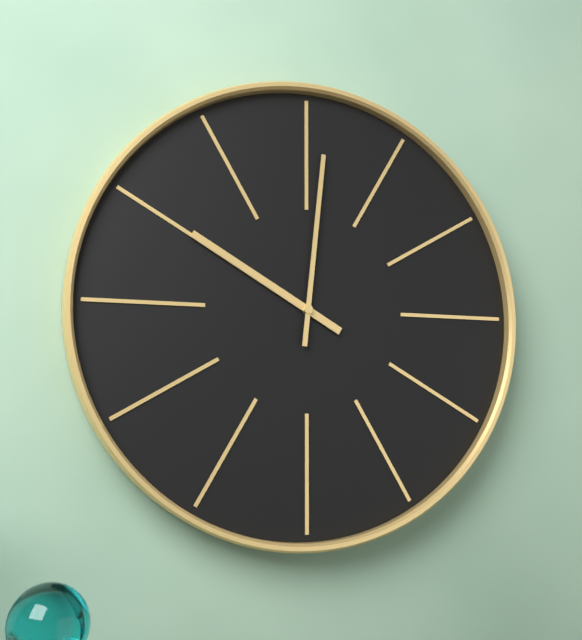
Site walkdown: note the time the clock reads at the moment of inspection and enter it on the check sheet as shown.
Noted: 10:01
